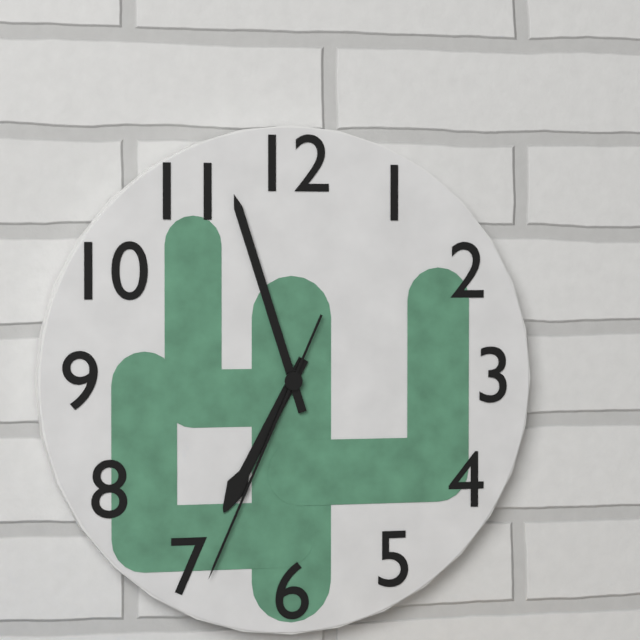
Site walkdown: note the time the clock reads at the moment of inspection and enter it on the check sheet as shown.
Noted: 6:57:34
